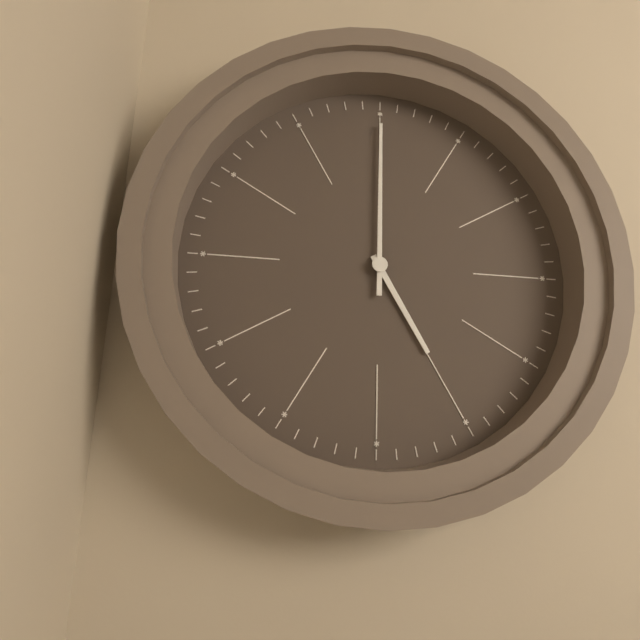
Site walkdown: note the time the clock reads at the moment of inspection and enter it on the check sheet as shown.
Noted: 5:00
